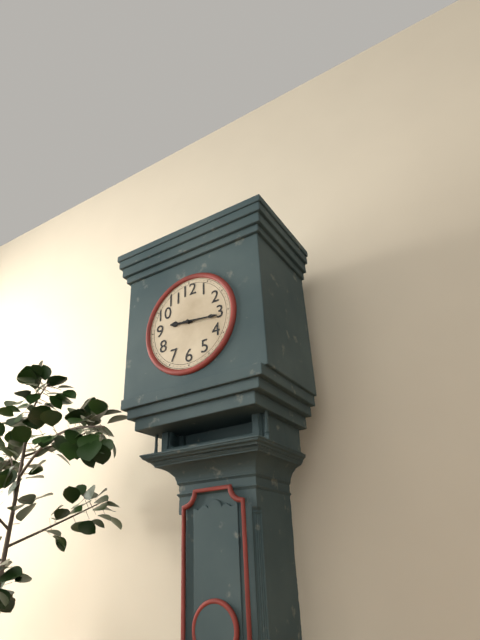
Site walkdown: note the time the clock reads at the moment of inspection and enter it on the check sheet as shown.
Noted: 9:16
